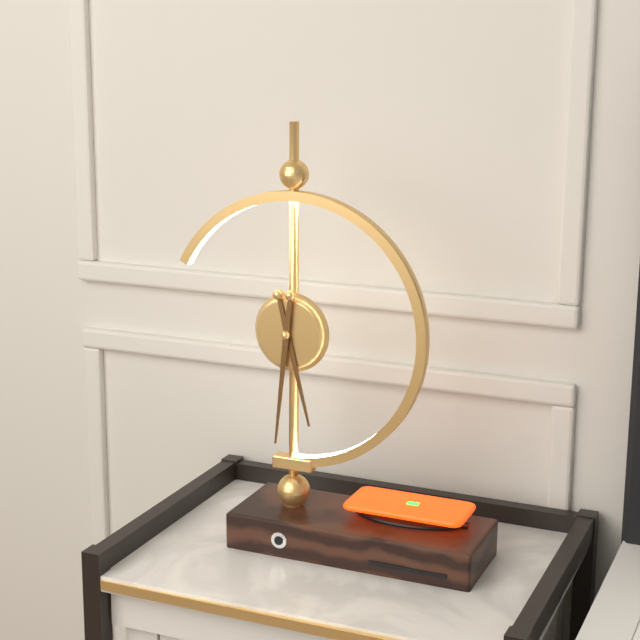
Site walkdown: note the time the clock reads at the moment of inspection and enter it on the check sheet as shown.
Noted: 5:31
